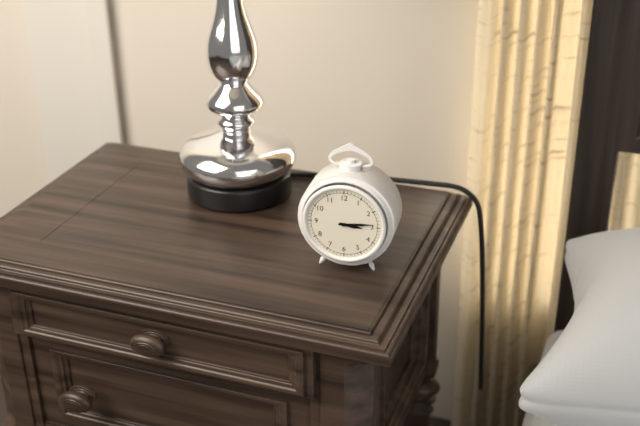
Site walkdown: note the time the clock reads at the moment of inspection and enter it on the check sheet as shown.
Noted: 3:14
